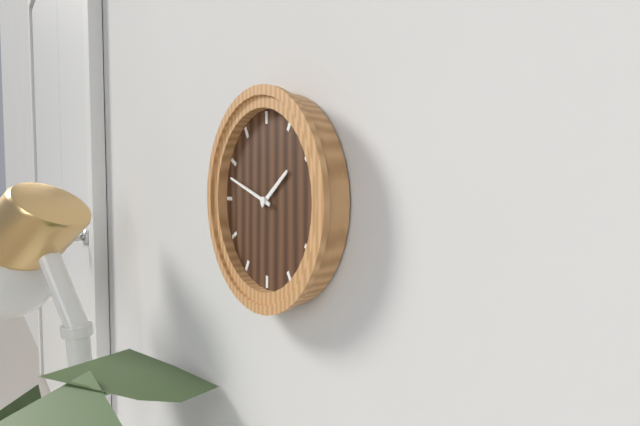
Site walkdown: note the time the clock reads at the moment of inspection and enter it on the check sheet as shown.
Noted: 1:48
